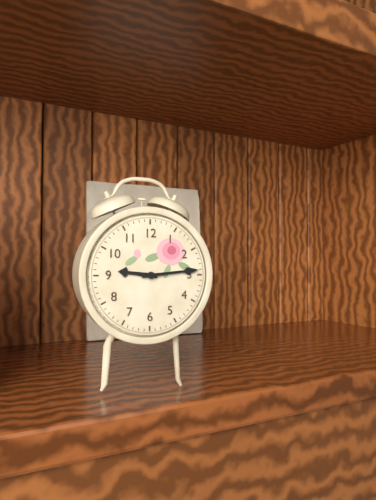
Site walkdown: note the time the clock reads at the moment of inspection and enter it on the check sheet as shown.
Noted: 9:14
